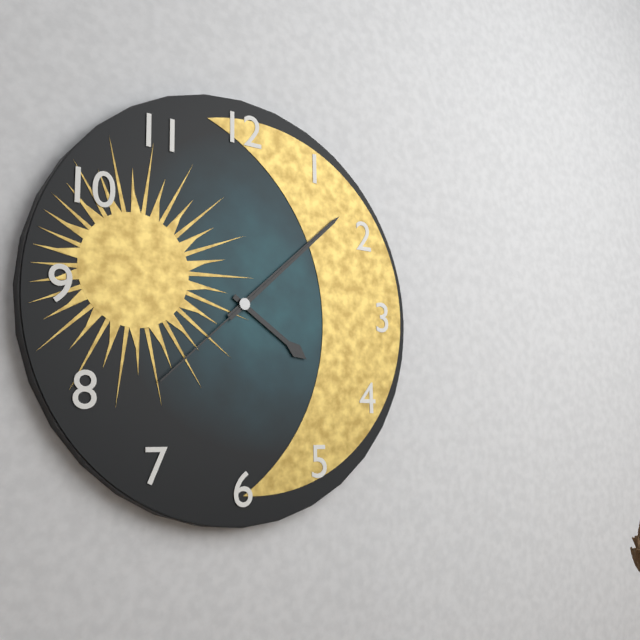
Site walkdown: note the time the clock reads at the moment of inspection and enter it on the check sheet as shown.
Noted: 4:08:08
